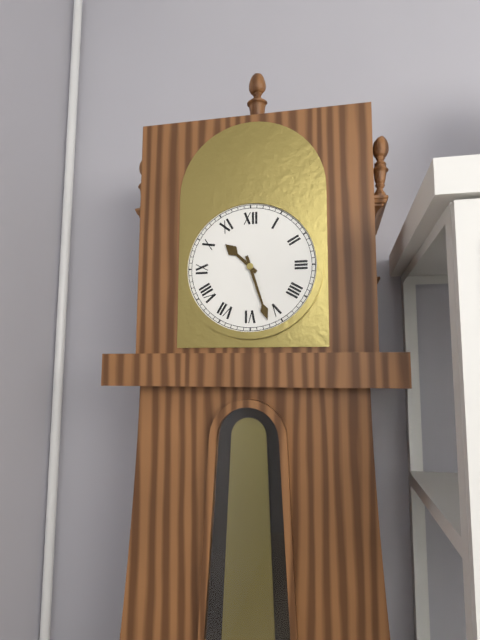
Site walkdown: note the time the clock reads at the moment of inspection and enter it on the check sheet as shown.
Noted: 10:27
